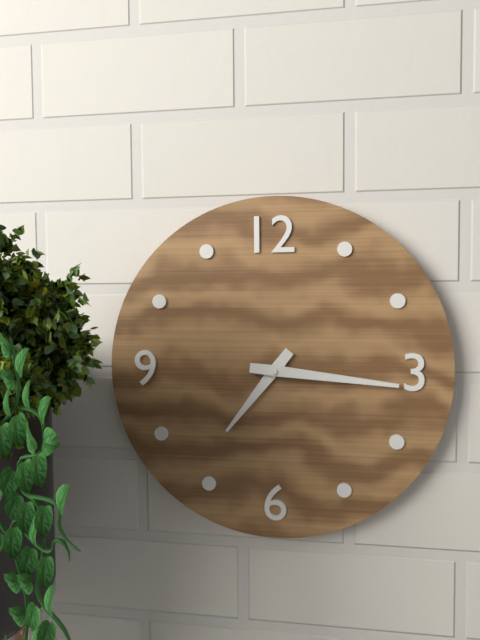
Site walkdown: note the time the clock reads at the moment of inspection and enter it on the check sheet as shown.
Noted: 7:16
